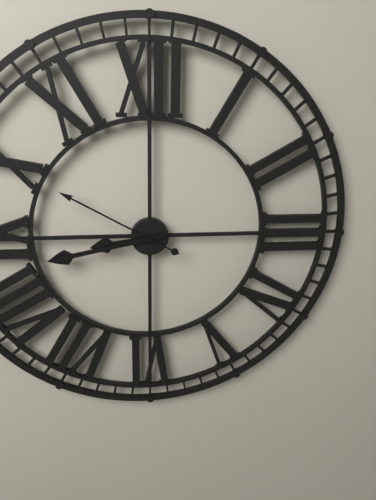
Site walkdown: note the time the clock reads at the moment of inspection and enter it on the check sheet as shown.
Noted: 8:43:50
